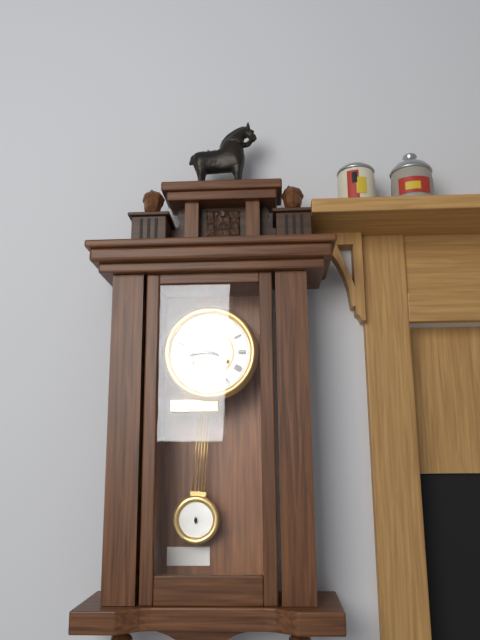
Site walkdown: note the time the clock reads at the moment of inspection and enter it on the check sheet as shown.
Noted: 8:48
